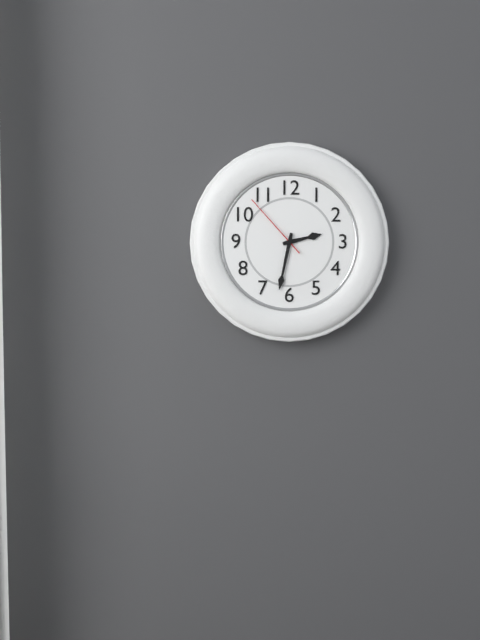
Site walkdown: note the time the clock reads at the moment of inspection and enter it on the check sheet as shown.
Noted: 2:32:53
